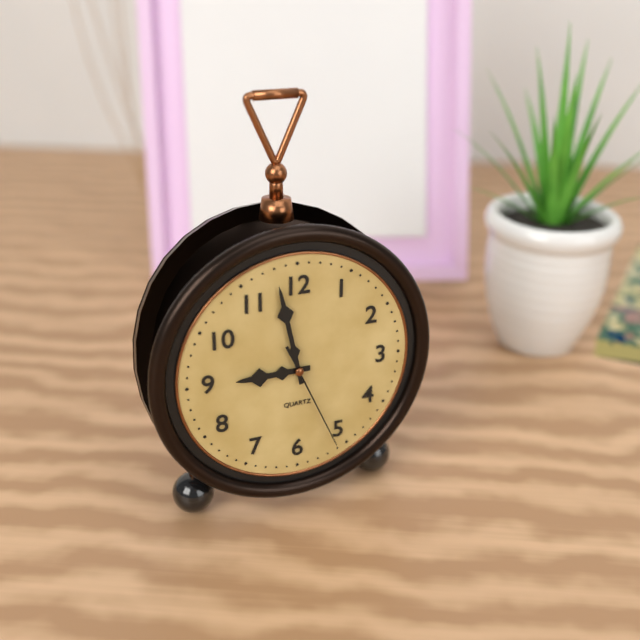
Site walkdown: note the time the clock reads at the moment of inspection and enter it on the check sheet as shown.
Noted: 8:58:26
